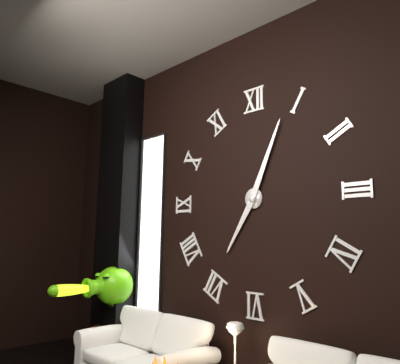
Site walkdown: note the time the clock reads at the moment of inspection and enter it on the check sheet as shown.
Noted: 7:04
